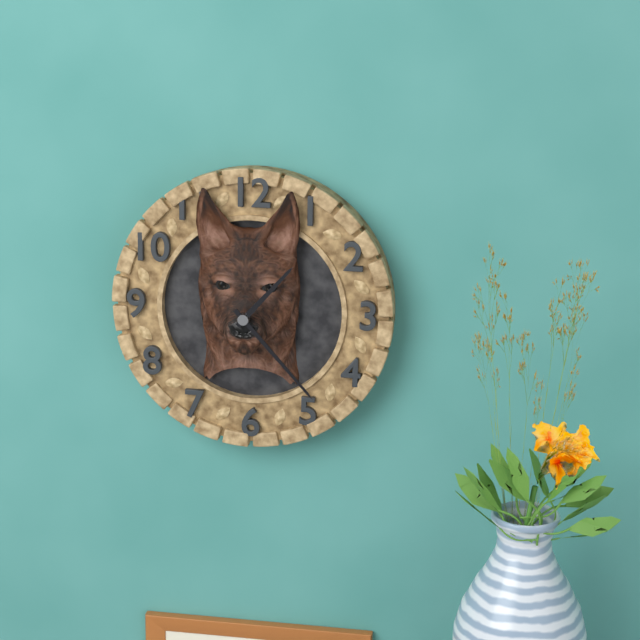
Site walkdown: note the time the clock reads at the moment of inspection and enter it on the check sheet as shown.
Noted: 1:23
